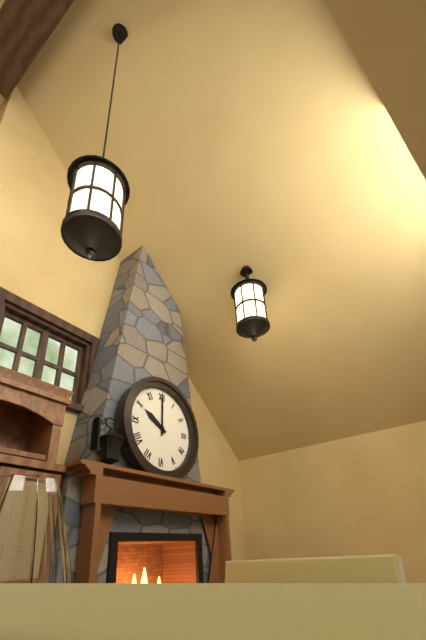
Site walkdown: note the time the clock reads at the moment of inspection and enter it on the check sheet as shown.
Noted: 10:00
